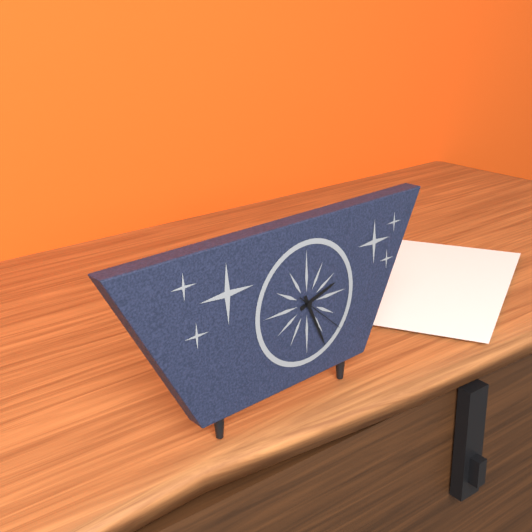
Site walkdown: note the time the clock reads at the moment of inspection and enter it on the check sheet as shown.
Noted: 2:26:22
